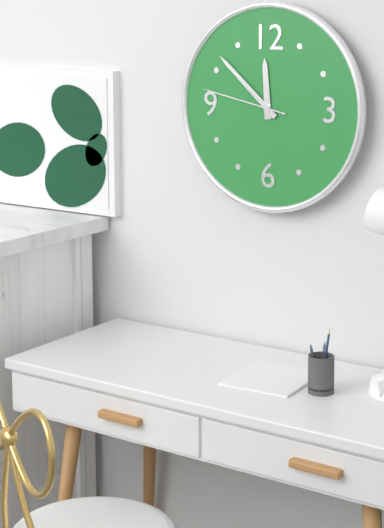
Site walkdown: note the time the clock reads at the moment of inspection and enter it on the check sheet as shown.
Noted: 11:52:47
